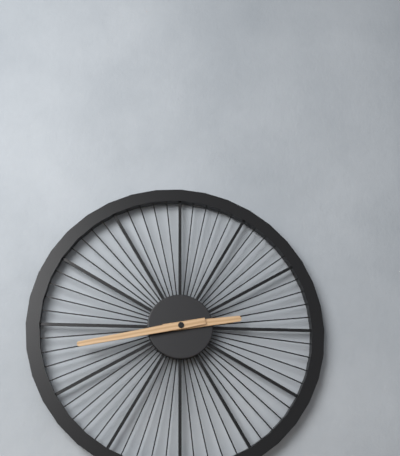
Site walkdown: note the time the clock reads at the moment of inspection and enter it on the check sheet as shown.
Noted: 2:43
